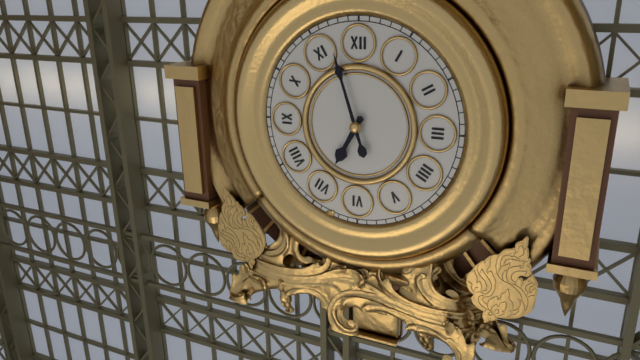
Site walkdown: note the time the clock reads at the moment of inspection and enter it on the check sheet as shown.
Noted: 6:57
